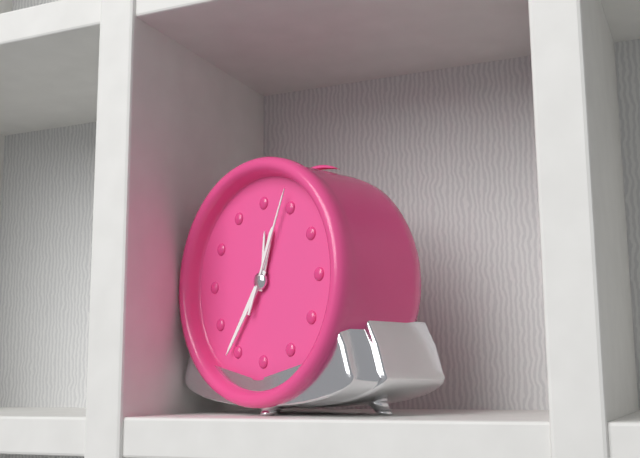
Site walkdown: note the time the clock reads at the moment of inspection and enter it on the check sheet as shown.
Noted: 12:36:04
